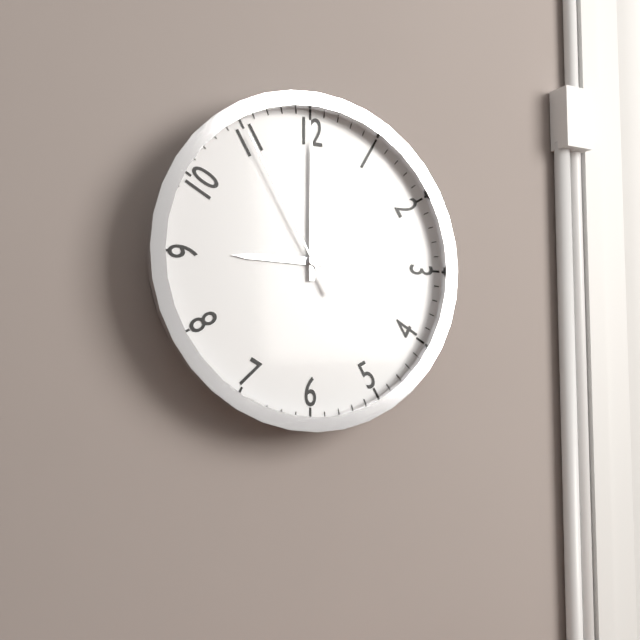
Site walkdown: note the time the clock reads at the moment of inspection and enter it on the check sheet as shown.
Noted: 9:00:55
